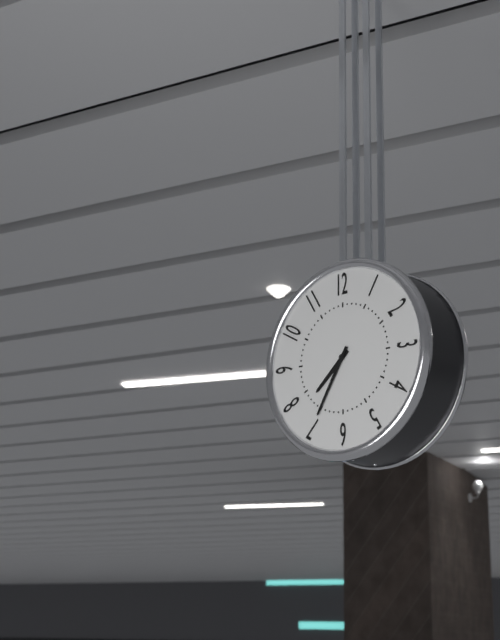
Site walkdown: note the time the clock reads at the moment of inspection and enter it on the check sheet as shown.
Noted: 7:35
